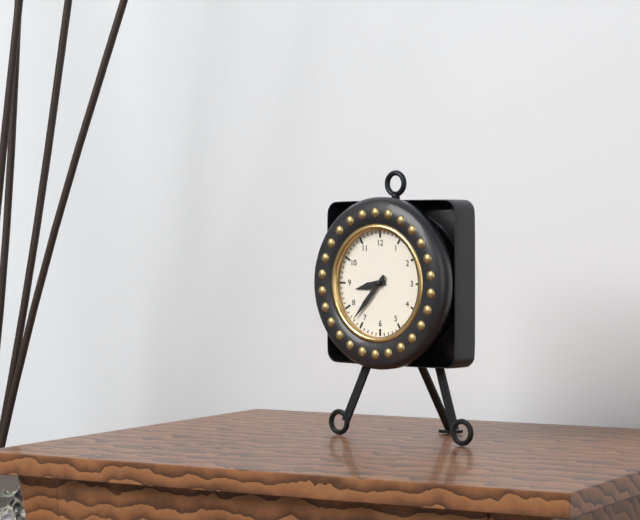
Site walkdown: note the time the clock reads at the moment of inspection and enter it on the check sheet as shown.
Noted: 8:37
